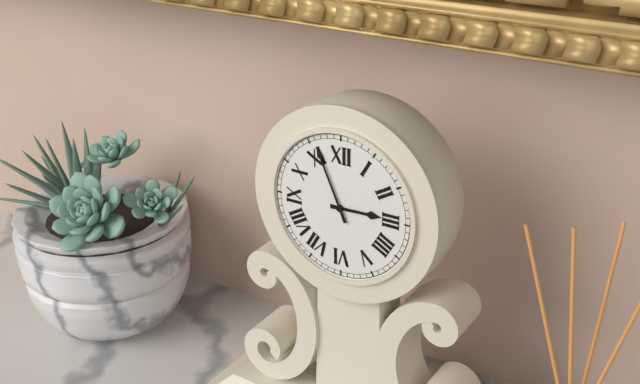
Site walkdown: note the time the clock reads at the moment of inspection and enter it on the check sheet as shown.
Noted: 2:56
